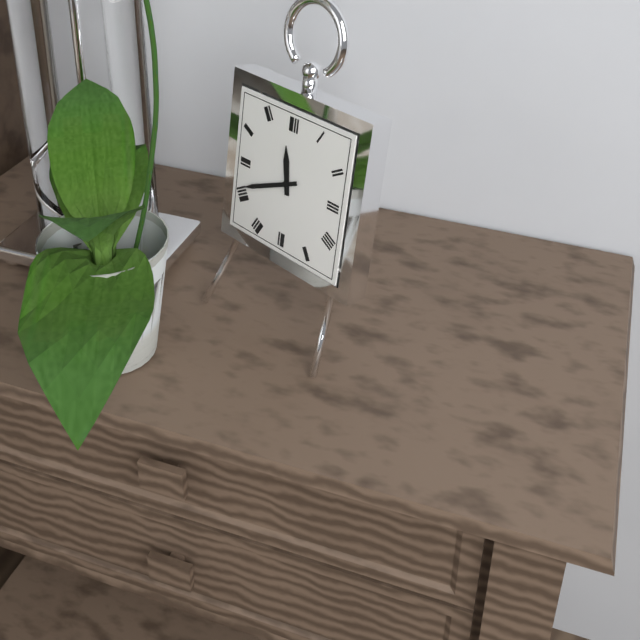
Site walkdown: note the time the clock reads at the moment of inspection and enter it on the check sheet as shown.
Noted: 11:41
